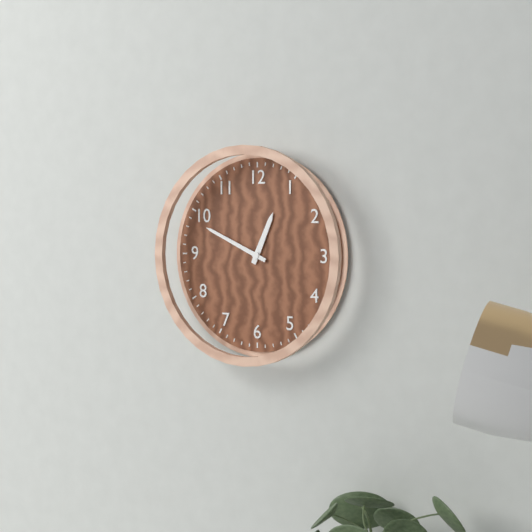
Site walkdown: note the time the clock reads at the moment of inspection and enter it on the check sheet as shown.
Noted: 12:49
